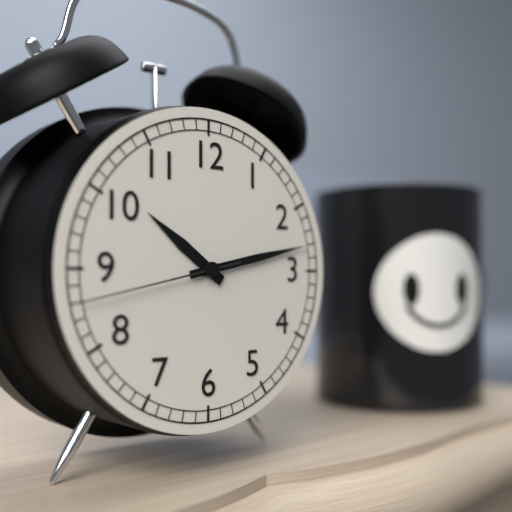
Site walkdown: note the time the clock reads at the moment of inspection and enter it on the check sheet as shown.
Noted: 10:13:43
